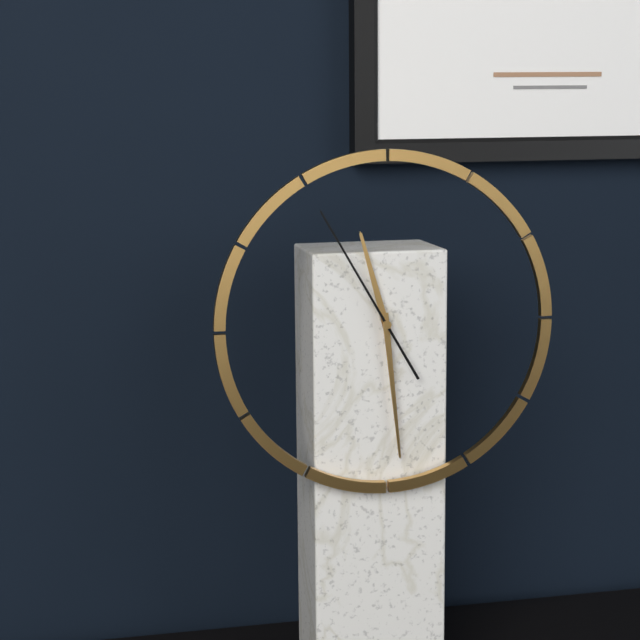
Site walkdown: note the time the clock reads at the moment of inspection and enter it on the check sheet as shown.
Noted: 11:29:55
